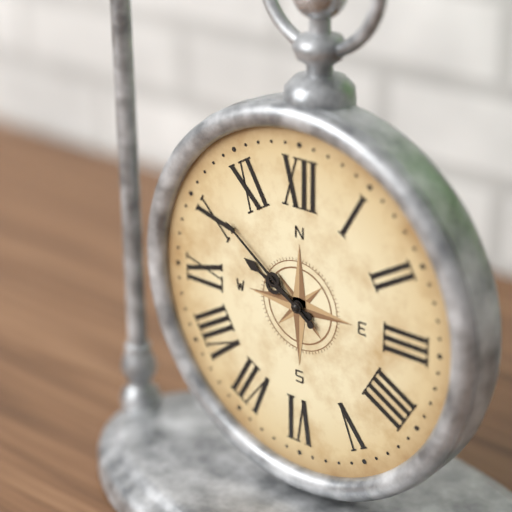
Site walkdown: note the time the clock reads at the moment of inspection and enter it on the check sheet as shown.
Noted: 9:51
